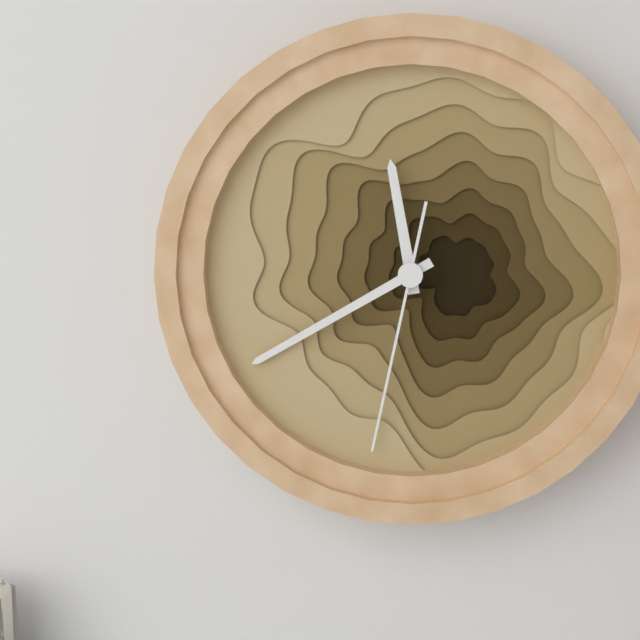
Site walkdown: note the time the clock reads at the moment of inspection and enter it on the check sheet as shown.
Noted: 11:40:32
